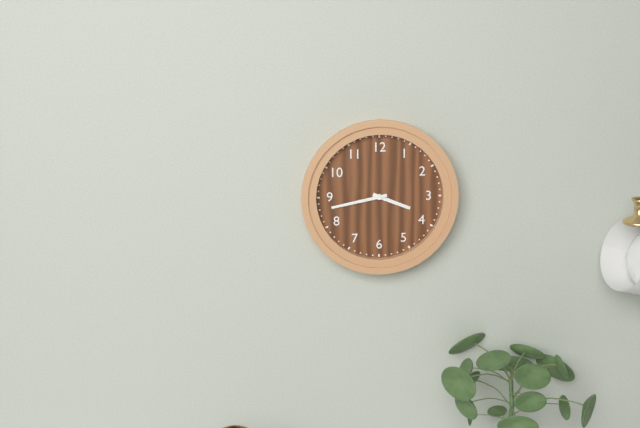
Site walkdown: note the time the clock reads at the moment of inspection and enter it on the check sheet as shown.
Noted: 3:43
